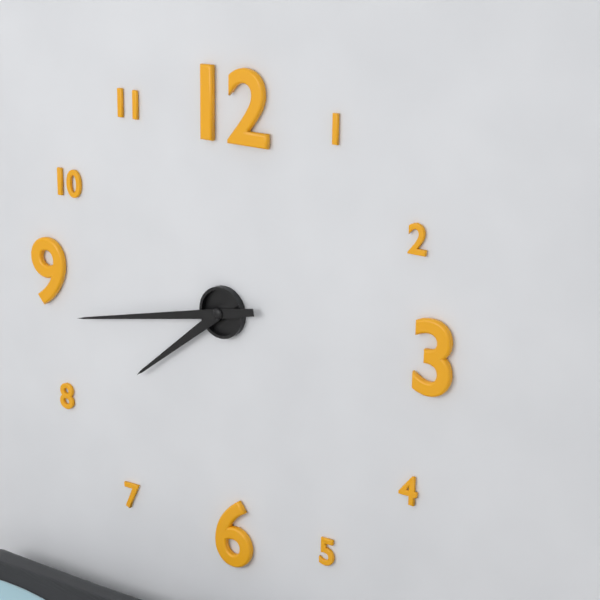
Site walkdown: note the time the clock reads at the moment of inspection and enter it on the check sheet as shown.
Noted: 7:43
